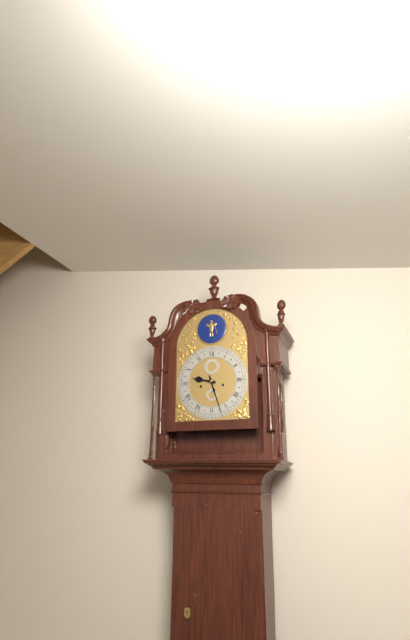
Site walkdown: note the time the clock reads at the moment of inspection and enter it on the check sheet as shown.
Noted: 9:27
